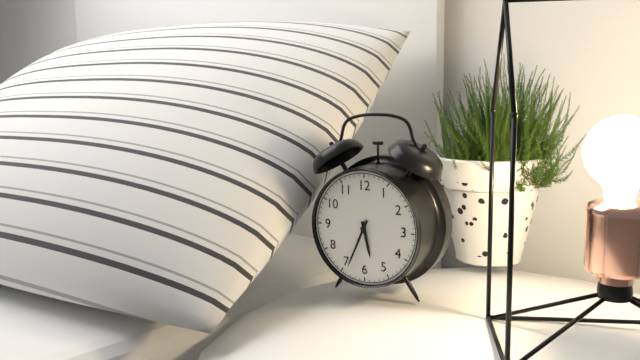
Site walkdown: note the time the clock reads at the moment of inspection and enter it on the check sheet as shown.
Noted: 5:34
